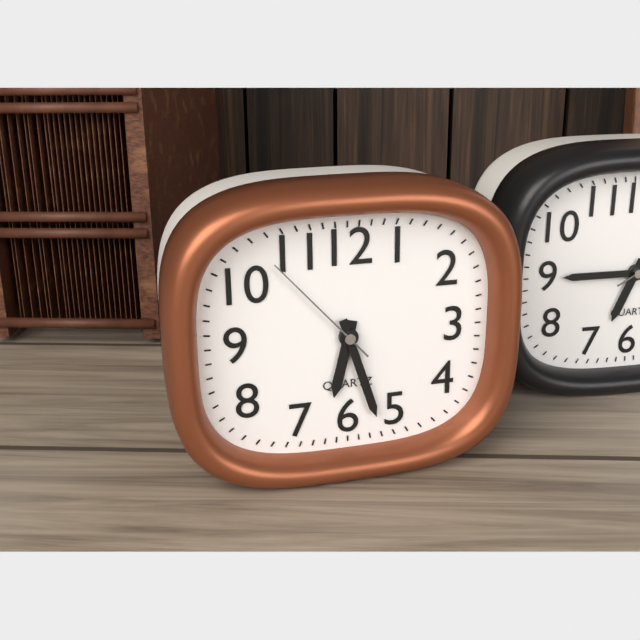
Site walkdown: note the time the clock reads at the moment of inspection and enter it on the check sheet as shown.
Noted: 6:27:53
